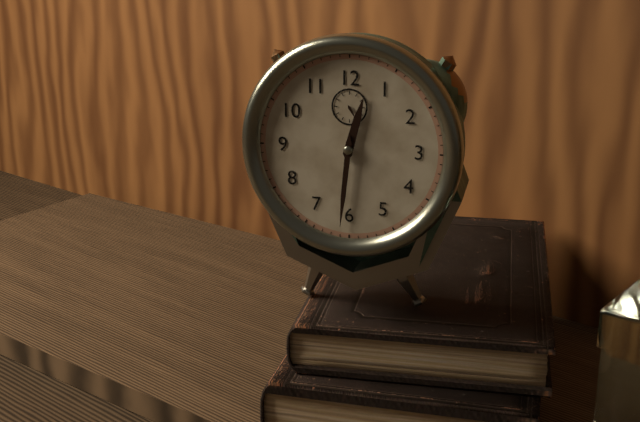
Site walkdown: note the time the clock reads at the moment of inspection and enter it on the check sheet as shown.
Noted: 12:31
